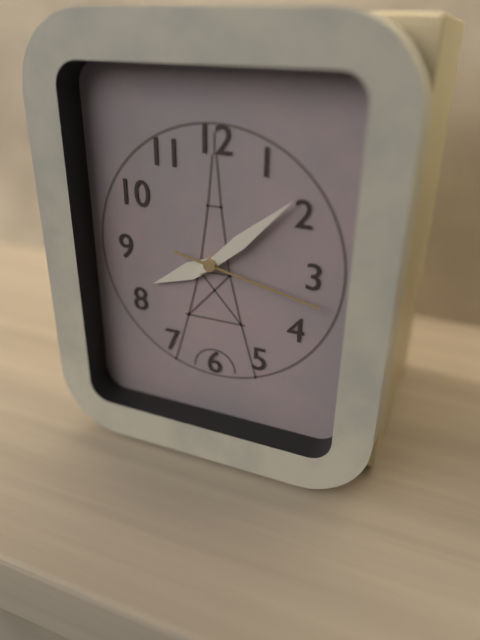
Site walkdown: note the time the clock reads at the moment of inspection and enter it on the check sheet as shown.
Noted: 8:08:17
